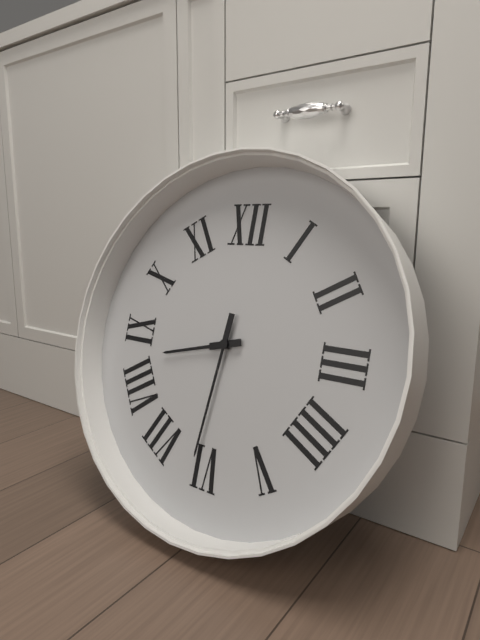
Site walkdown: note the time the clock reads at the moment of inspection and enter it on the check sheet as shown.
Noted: 8:31
